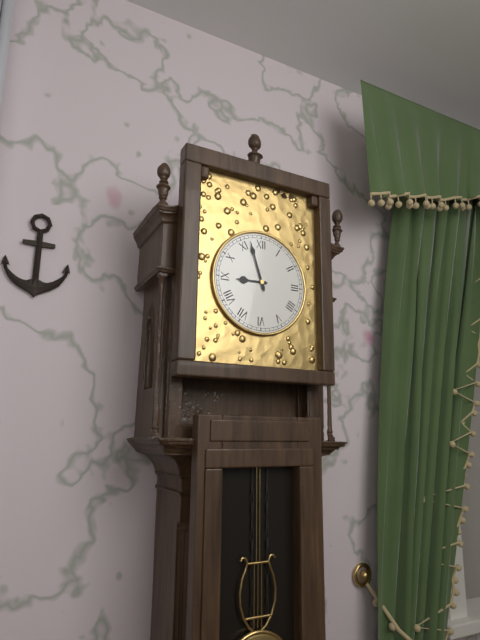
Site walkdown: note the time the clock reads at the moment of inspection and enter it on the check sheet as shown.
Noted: 8:57
